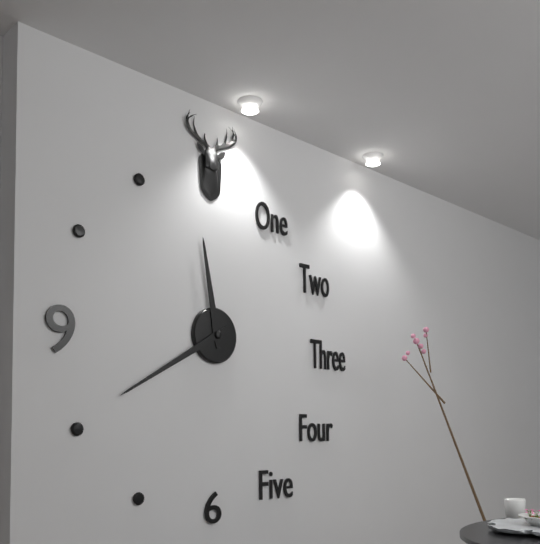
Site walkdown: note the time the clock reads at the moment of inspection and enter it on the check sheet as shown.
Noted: 11:40
